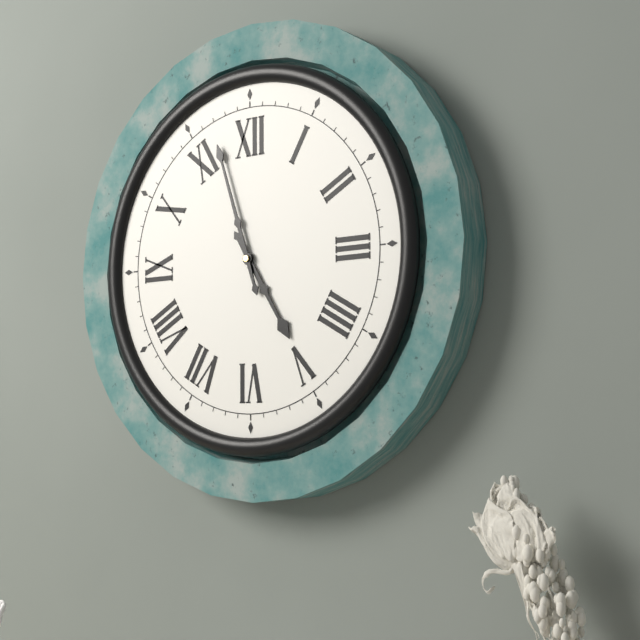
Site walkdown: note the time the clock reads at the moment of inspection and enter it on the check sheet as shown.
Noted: 4:57
